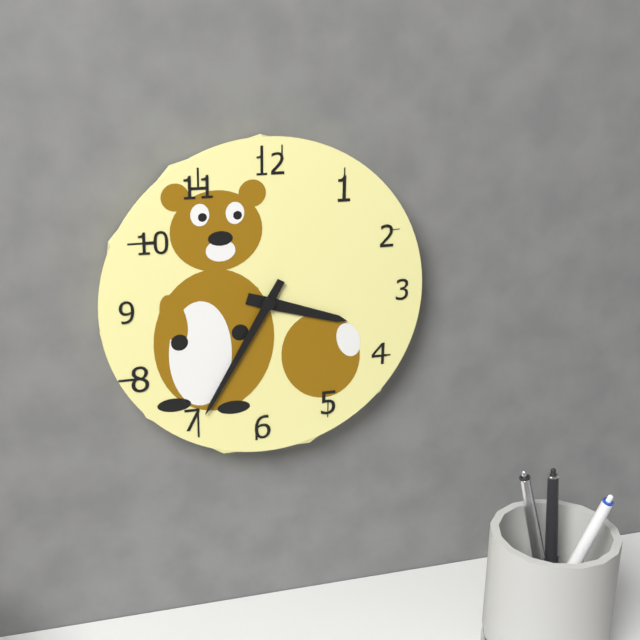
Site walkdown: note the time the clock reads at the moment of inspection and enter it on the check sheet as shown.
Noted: 3:35
